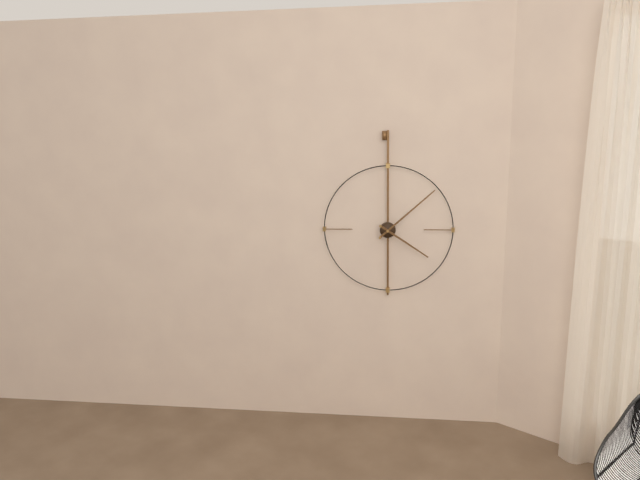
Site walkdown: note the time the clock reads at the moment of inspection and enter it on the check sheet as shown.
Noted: 4:08
